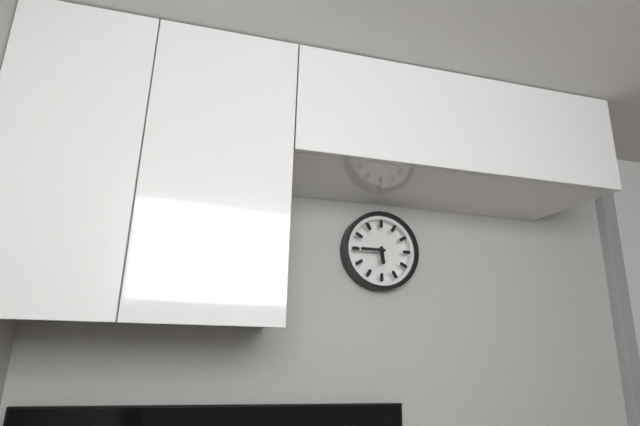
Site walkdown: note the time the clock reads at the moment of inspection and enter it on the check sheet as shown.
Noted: 5:45
